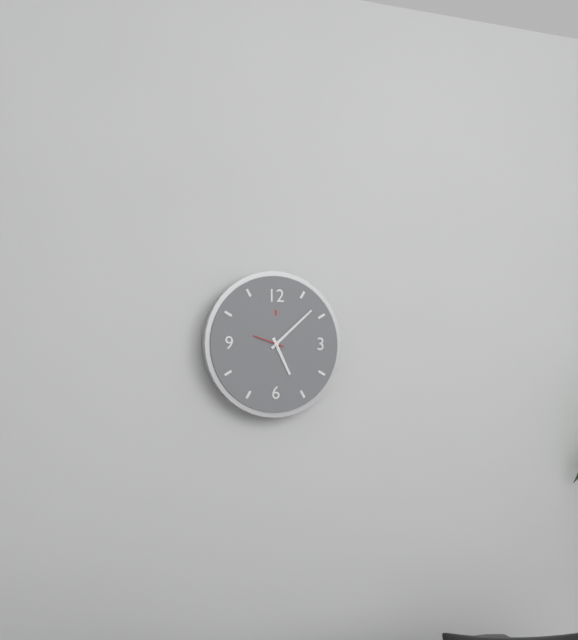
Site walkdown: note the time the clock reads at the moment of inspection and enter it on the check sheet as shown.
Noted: 5:08
